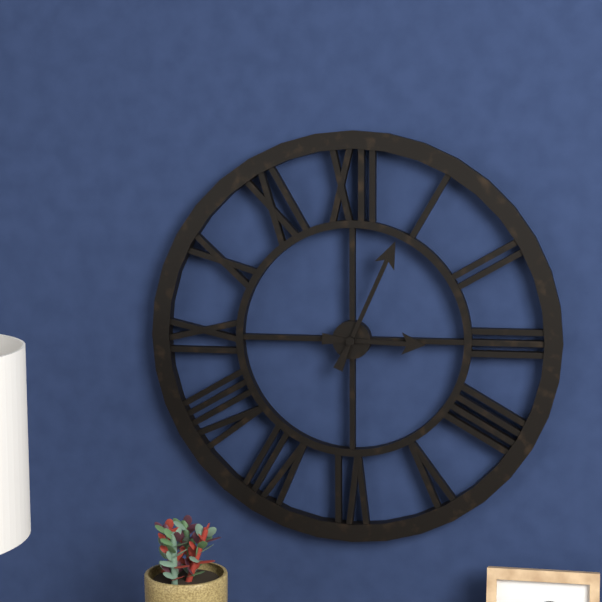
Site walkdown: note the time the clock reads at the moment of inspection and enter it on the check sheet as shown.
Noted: 3:04
